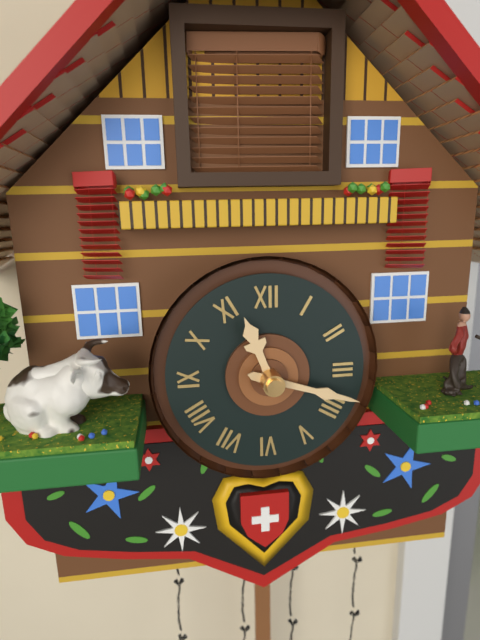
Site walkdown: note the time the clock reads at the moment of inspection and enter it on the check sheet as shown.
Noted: 11:18
